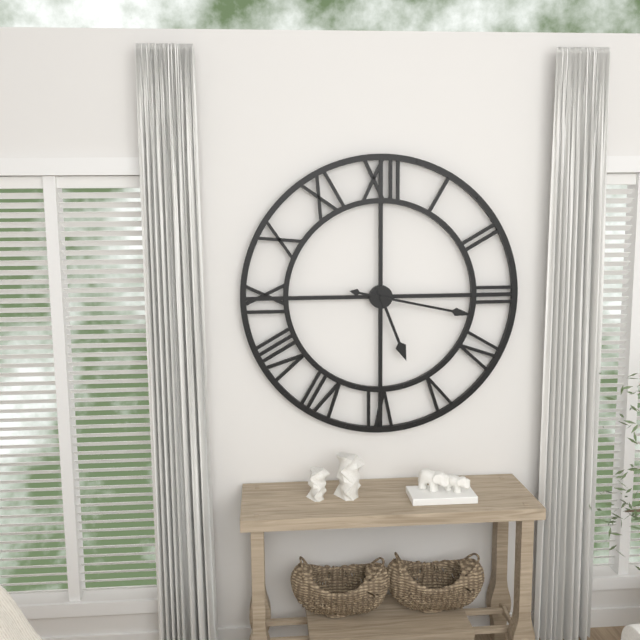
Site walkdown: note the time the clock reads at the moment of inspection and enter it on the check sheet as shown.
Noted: 5:17
